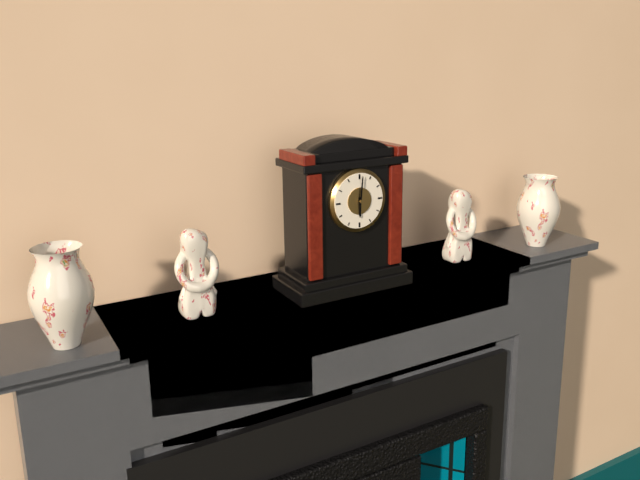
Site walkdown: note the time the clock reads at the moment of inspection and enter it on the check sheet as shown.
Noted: 6:01
